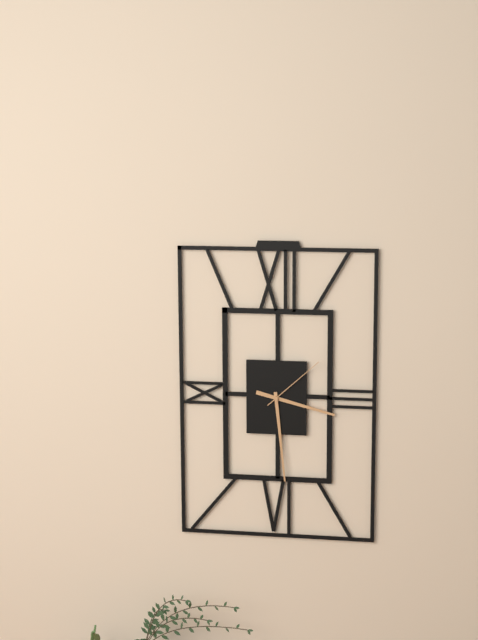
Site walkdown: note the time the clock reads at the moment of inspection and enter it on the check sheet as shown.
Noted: 3:29:08
